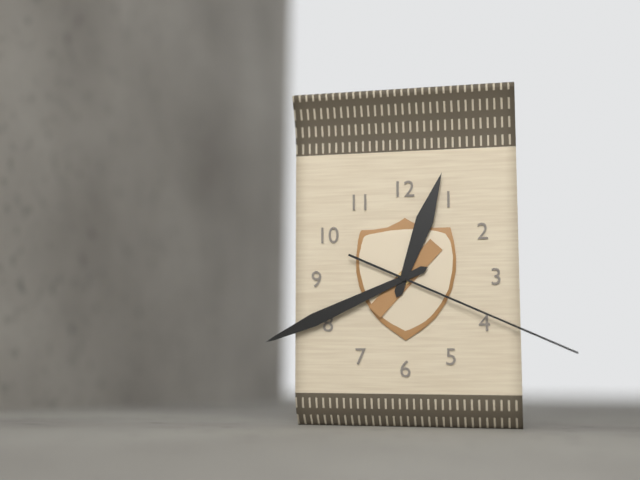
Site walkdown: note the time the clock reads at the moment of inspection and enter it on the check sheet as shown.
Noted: 12:41:19
